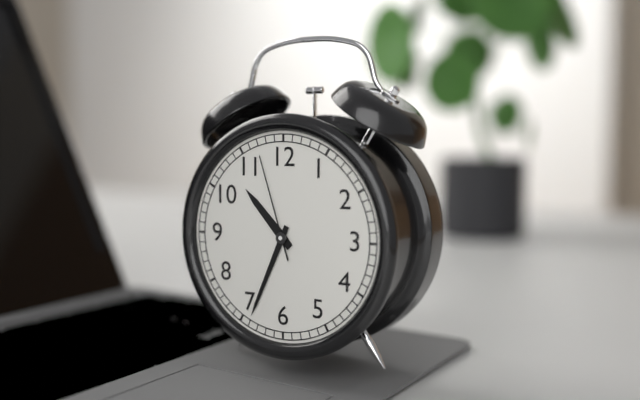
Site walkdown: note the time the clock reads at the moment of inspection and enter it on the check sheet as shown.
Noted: 10:34:57
